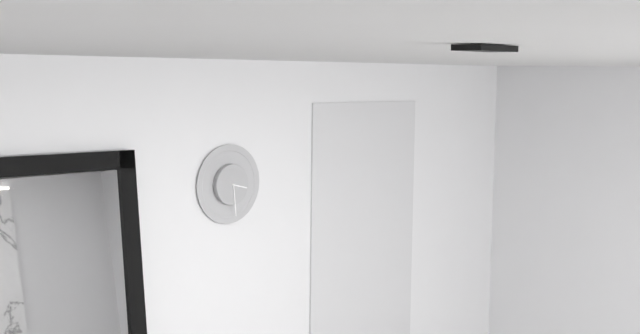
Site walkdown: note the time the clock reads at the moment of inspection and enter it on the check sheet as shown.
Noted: 3:29
